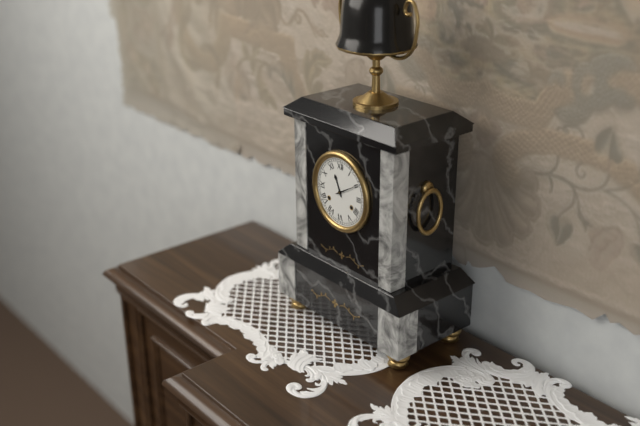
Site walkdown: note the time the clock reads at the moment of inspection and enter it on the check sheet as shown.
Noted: 11:10
